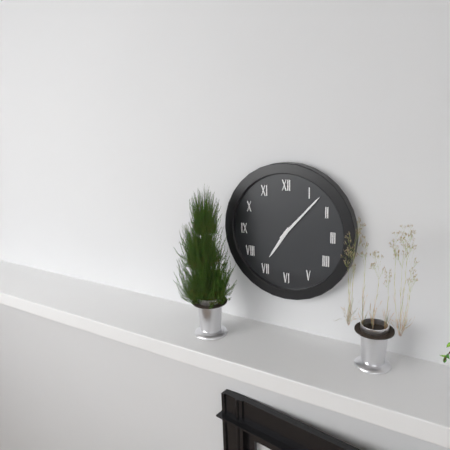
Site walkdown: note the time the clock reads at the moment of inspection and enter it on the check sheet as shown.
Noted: 7:07
